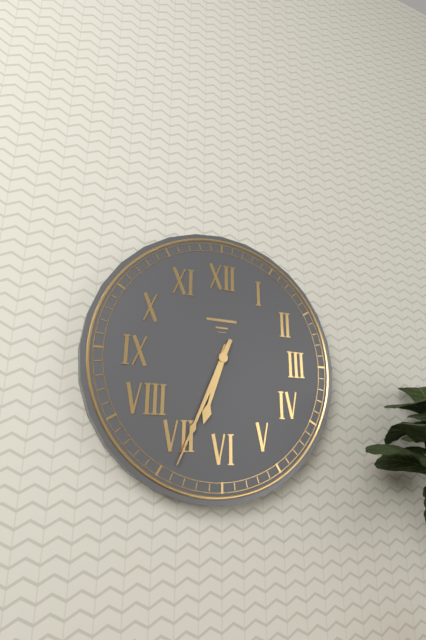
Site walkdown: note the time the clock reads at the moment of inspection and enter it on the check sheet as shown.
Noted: 6:34
